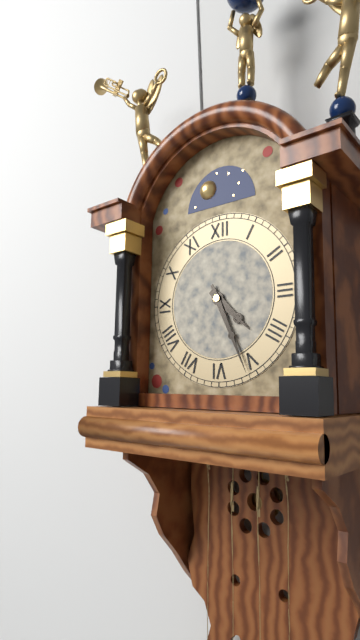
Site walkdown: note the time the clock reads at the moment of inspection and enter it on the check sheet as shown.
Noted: 4:26
